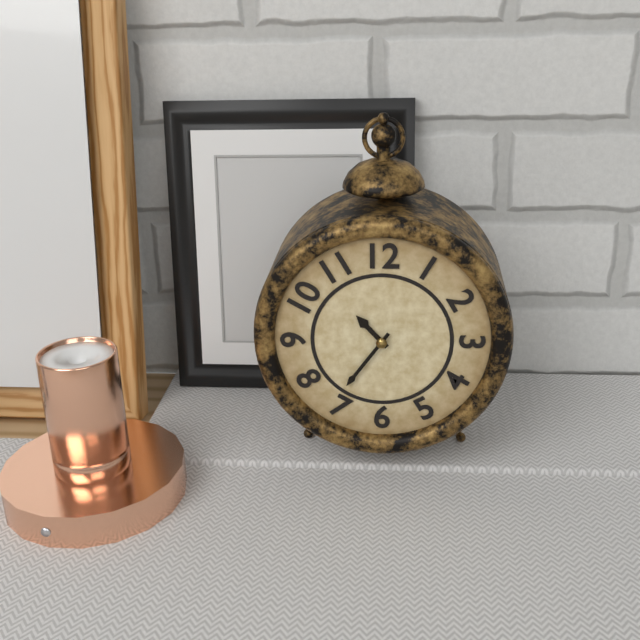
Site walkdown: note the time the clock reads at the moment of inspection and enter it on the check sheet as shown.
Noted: 10:36
